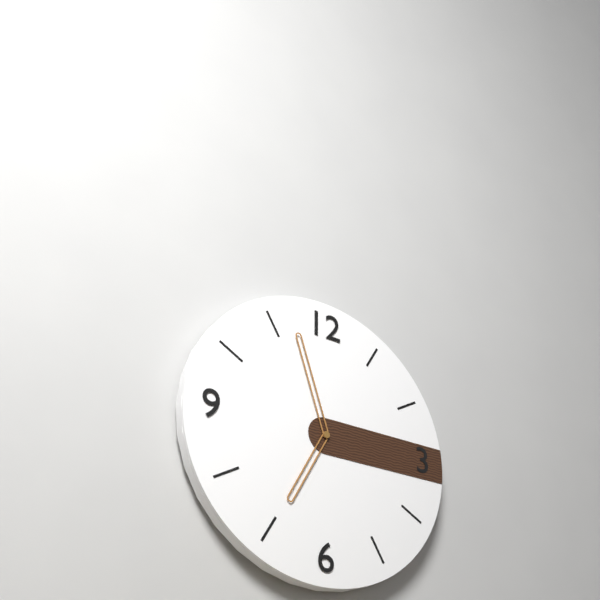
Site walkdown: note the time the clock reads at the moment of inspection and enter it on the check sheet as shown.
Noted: 6:57
